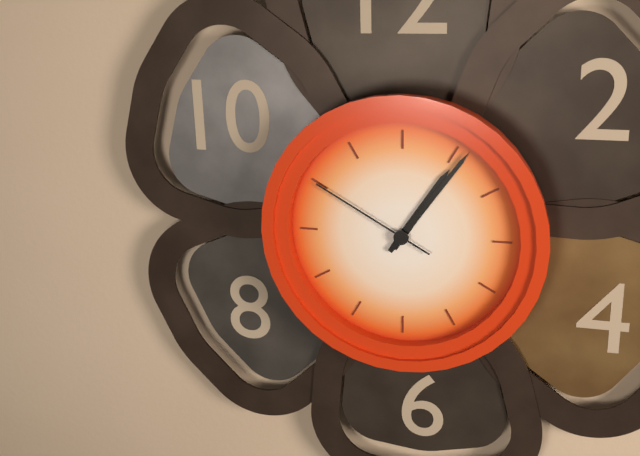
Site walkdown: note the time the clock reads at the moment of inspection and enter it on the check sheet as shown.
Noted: 1:06:50
